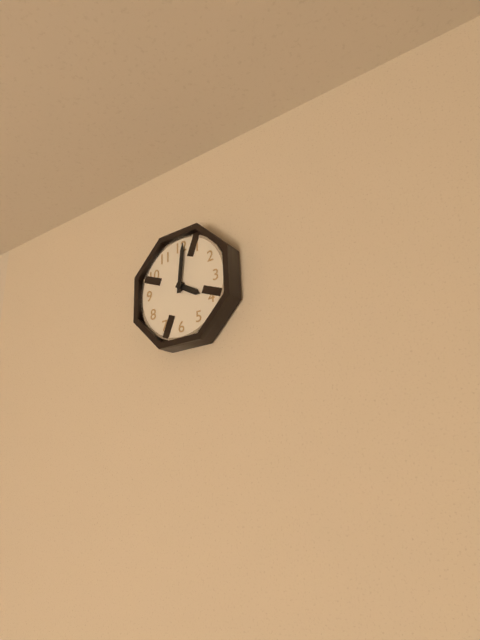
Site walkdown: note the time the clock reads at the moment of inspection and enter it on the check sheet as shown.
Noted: 4:01
